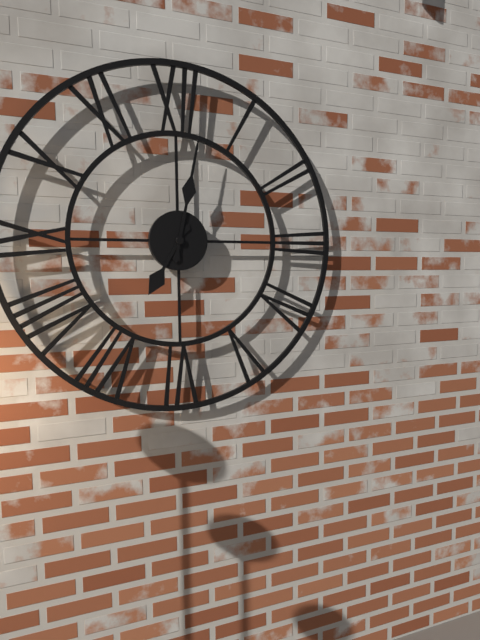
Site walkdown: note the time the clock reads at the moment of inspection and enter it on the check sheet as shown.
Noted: 7:02
